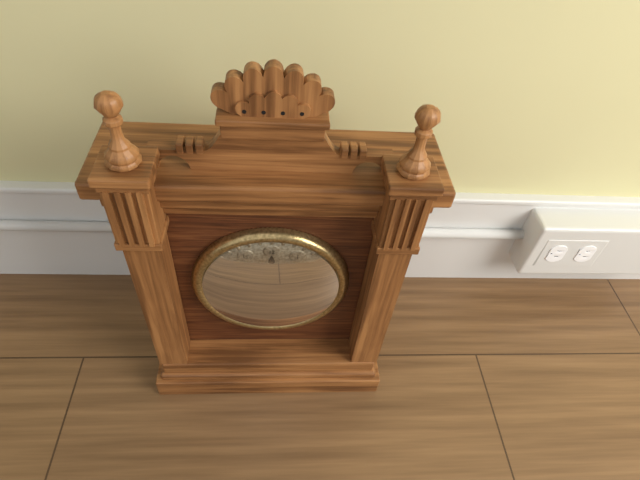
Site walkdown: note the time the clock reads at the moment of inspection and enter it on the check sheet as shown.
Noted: 1:00
